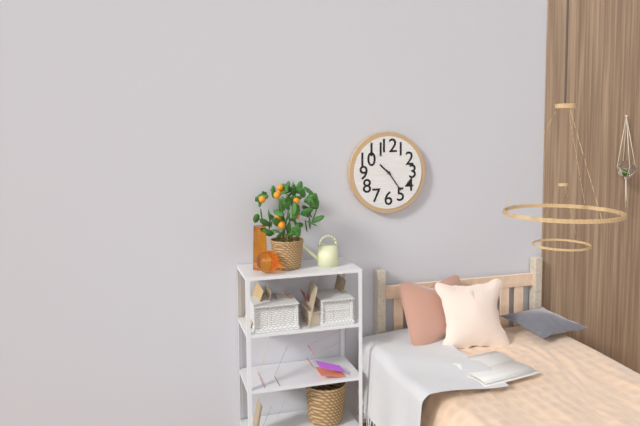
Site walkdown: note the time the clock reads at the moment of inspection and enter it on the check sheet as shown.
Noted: 10:24
